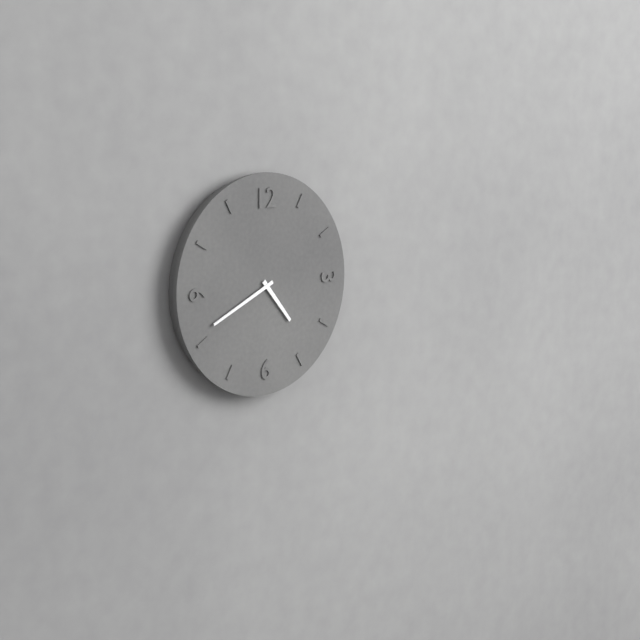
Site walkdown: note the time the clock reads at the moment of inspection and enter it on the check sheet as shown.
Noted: 4:41
